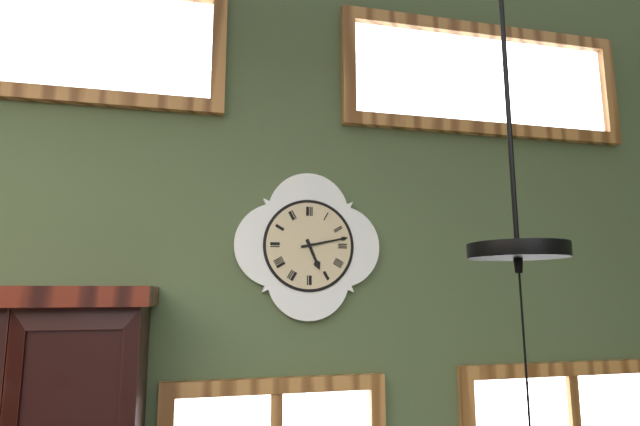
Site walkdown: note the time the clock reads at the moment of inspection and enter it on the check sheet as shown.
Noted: 5:13
